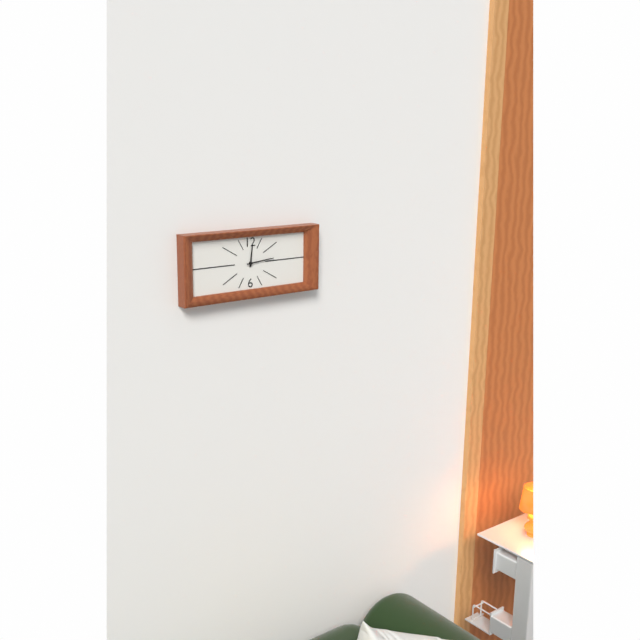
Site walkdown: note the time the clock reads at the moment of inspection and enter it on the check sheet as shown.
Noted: 12:14
